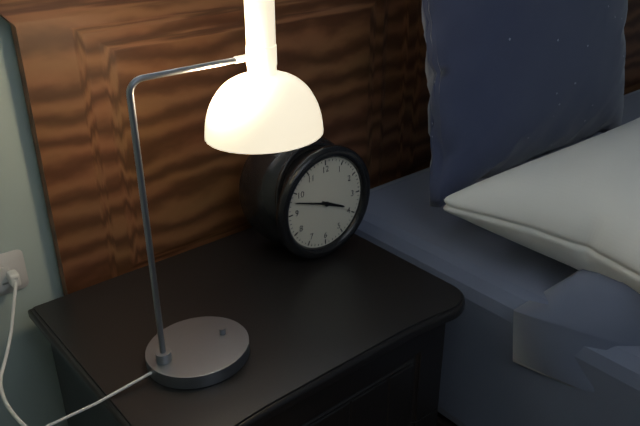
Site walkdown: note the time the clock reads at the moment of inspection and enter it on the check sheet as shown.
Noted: 3:48
